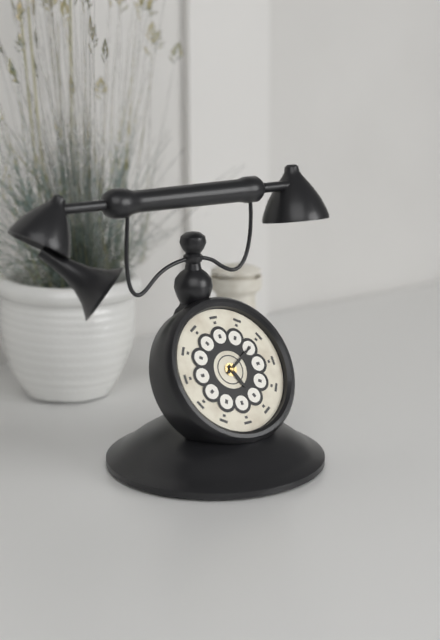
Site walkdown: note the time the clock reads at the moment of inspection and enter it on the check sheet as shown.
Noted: 5:10
